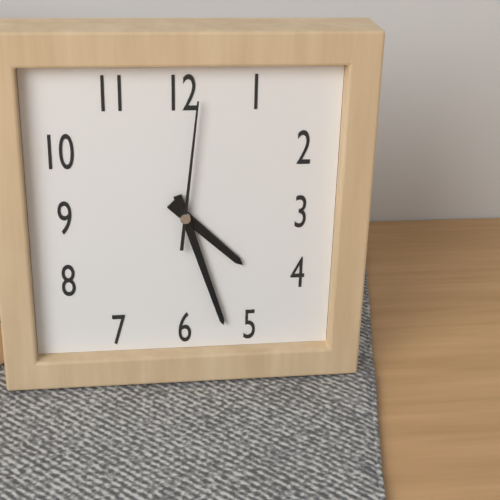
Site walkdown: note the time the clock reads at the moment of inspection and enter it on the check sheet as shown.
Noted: 4:27:01
